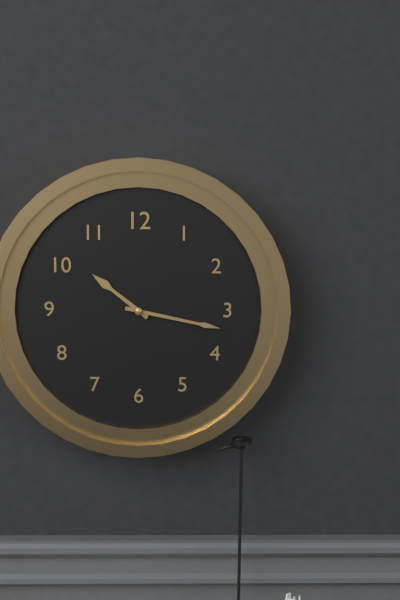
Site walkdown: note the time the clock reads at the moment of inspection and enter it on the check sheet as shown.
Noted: 10:17
